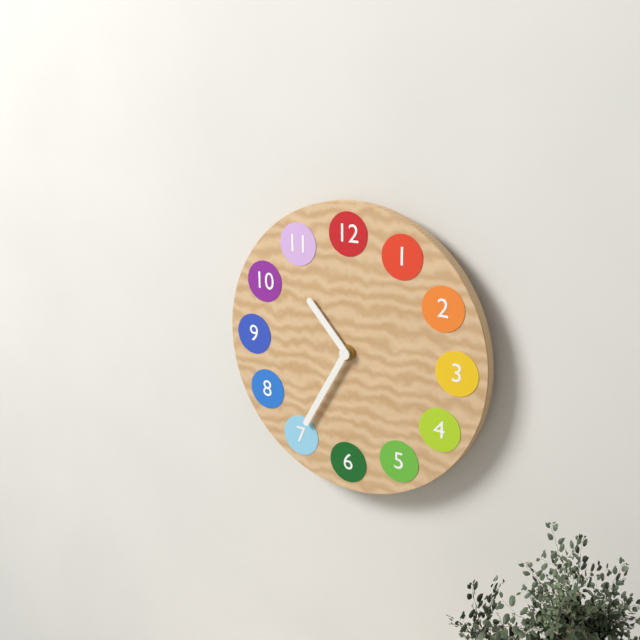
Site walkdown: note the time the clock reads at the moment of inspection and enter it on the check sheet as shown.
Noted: 10:35
